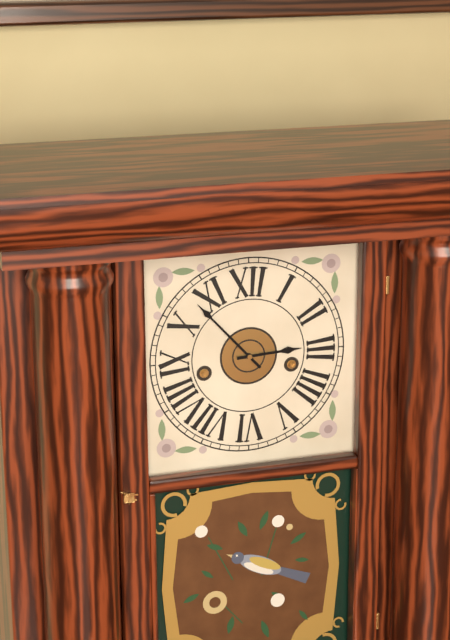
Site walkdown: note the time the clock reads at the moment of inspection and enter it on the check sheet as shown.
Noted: 2:53
